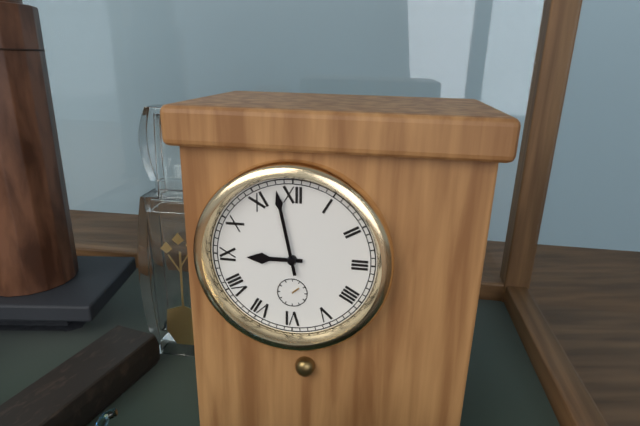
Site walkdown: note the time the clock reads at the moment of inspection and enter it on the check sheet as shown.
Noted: 8:58
